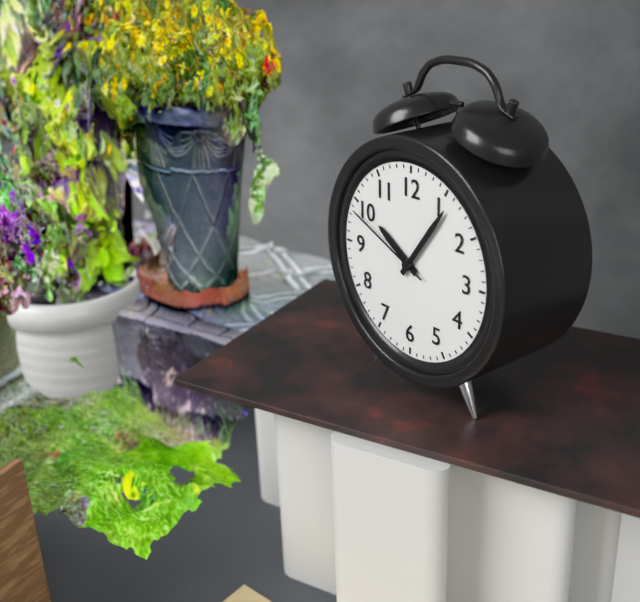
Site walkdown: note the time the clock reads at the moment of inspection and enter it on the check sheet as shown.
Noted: 10:06:49
